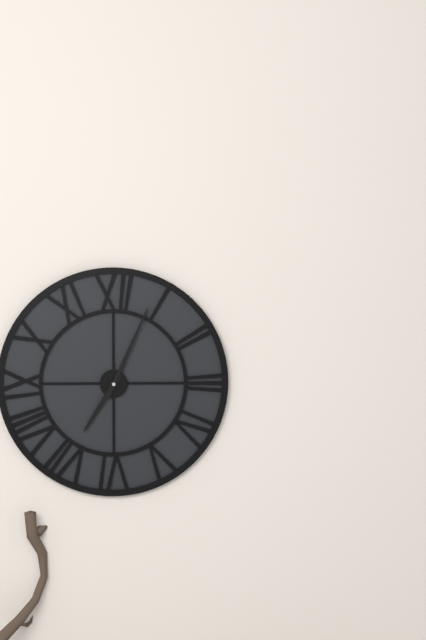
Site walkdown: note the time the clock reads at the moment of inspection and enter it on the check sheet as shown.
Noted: 7:04
